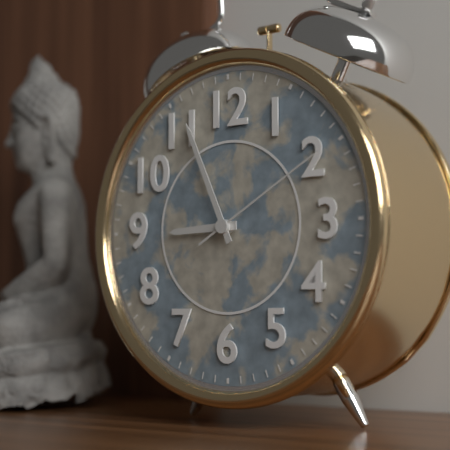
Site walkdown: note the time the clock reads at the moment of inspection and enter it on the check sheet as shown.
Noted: 8:56:10
